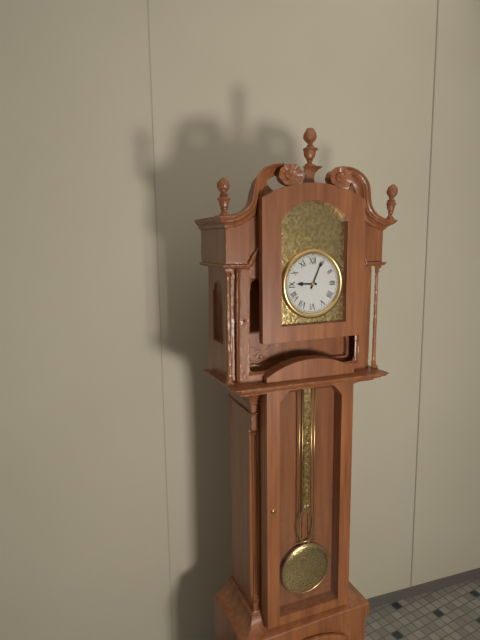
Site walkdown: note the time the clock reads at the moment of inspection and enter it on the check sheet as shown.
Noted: 9:04
